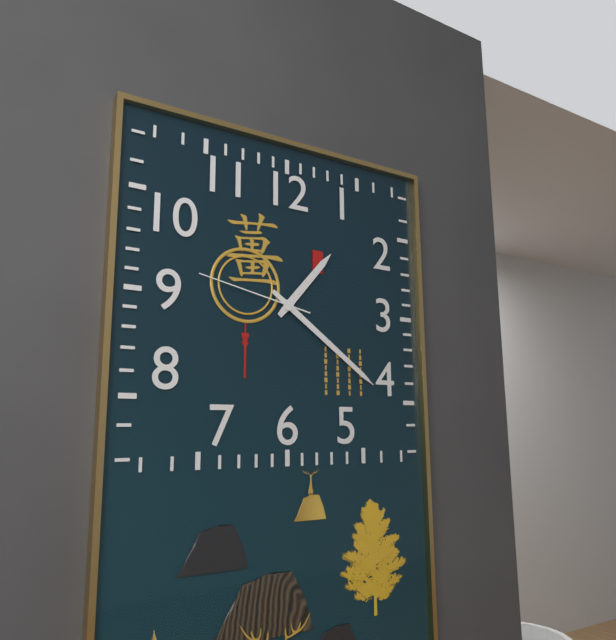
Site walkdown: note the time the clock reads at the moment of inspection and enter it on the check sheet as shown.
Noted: 1:21:47
